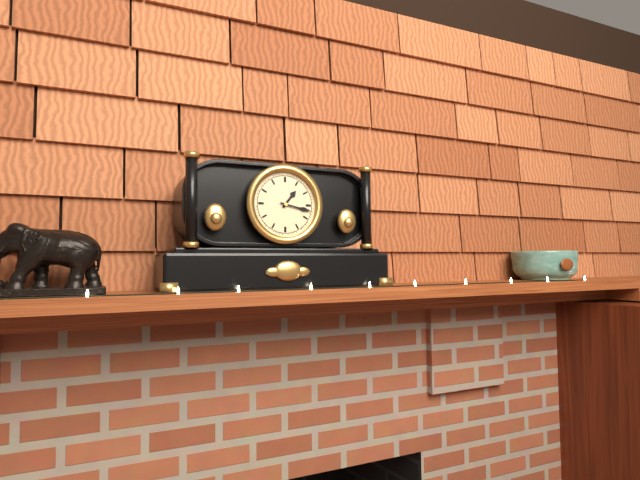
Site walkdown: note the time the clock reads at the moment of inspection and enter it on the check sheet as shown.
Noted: 1:17
